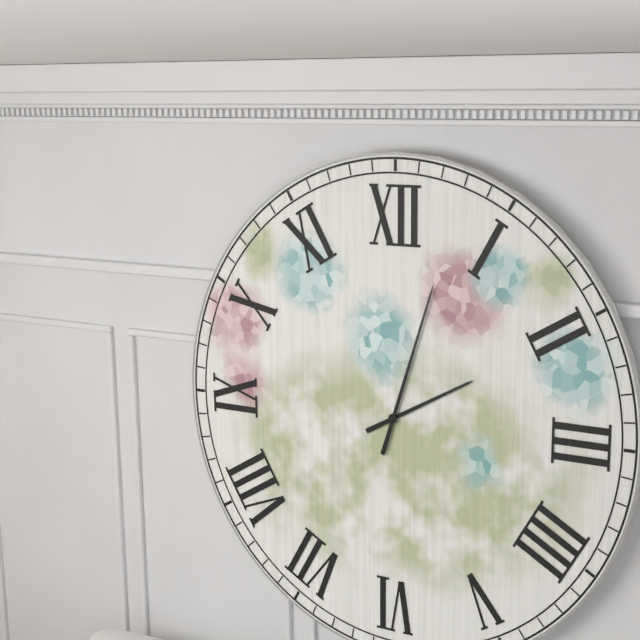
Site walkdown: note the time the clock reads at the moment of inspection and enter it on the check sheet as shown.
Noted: 2:03
